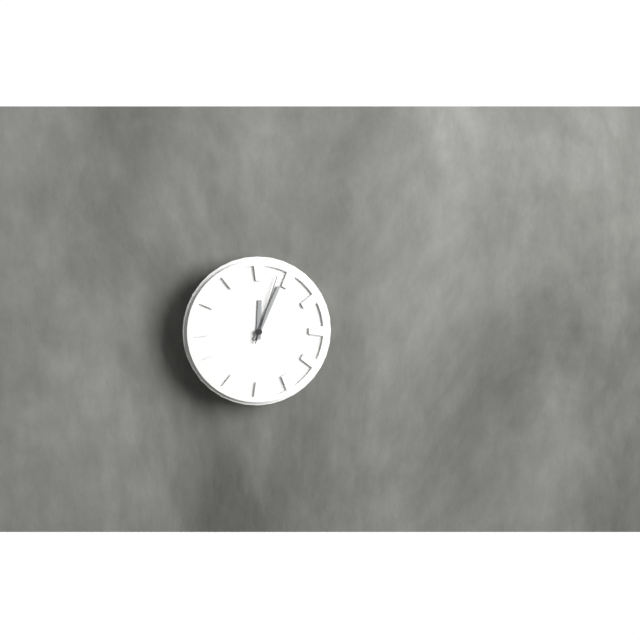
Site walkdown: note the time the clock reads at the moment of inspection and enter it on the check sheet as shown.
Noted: 12:04:03
